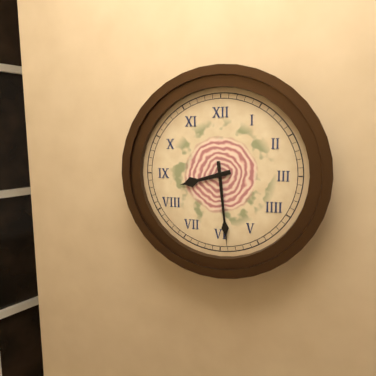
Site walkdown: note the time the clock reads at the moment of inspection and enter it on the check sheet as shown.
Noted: 8:29
